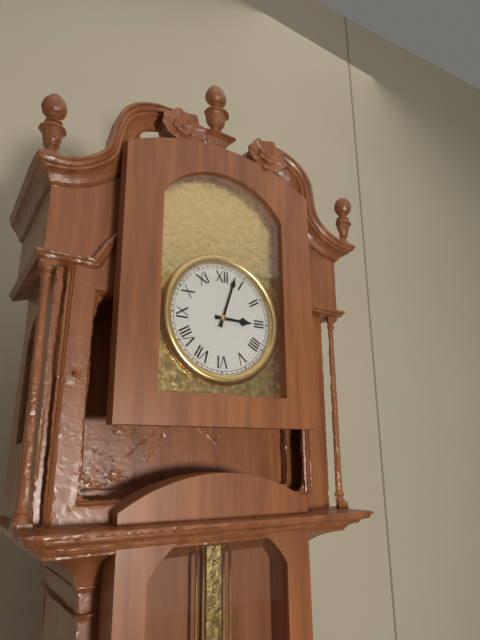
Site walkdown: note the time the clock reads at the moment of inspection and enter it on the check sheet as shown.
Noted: 3:03
